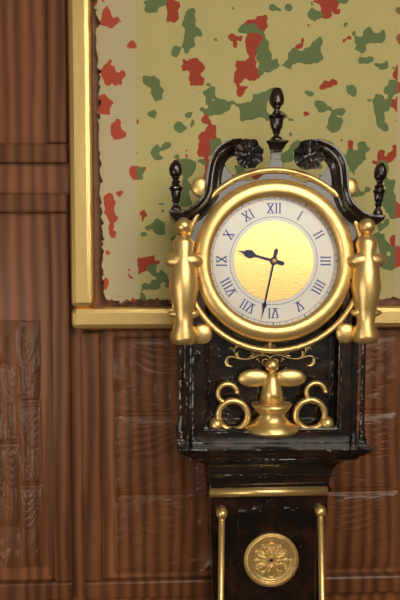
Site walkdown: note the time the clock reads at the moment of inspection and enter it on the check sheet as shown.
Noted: 9:32
